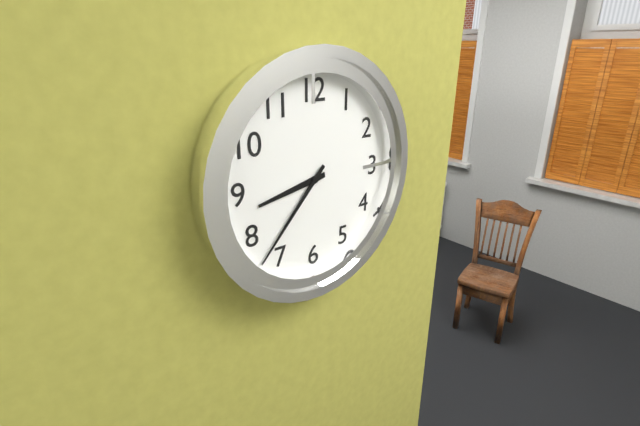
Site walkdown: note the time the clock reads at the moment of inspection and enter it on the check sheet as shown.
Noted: 8:37
